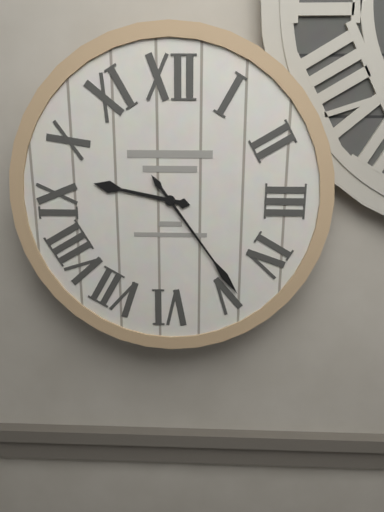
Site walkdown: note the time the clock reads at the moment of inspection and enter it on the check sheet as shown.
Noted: 9:24
